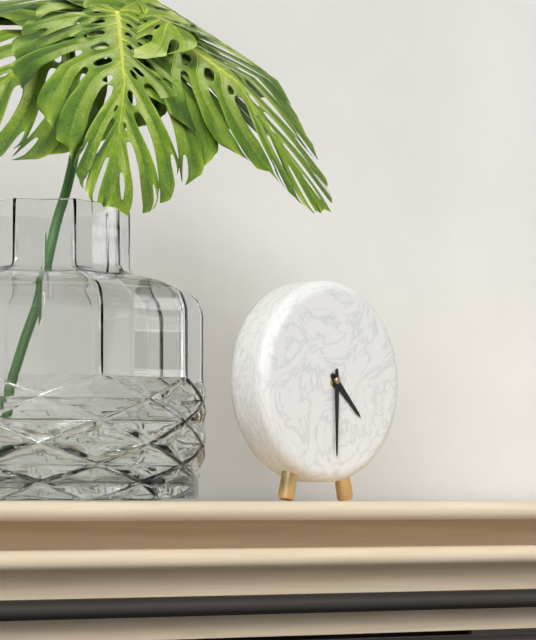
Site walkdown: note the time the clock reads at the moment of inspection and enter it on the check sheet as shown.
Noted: 4:30
